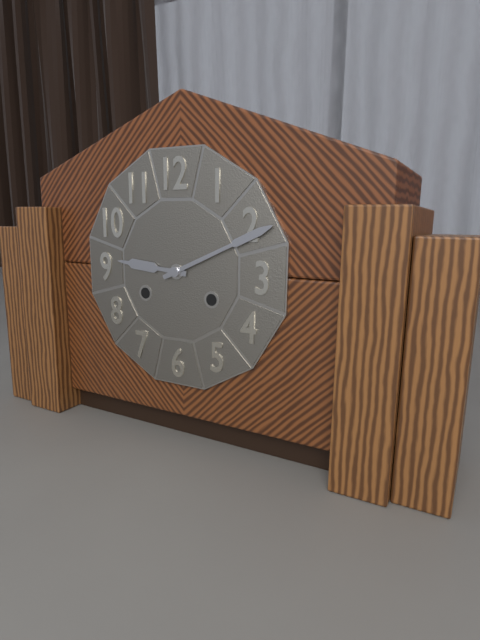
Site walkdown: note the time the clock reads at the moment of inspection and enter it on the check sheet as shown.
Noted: 9:11
